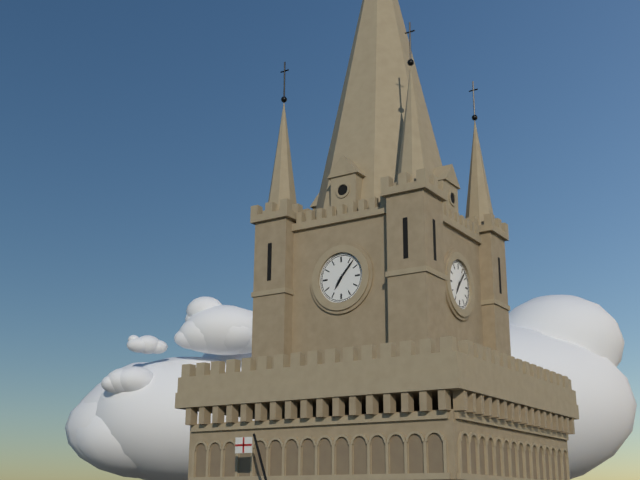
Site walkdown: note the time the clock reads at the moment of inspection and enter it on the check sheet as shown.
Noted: 7:07
